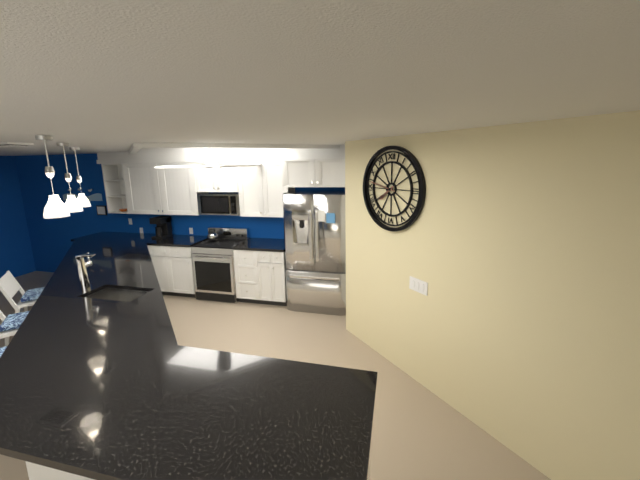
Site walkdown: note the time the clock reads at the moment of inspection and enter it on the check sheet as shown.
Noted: 7:47
